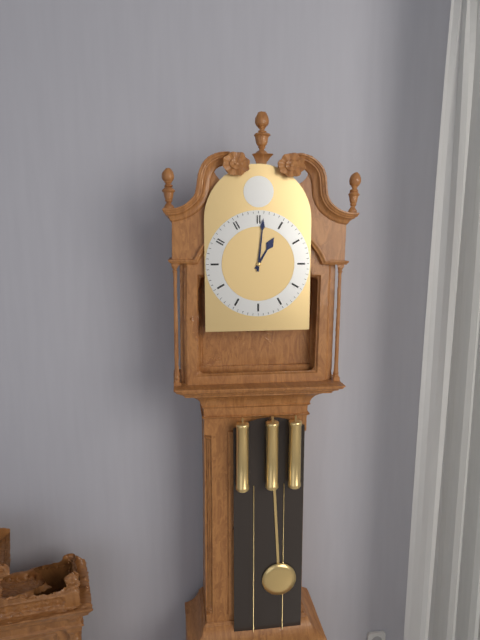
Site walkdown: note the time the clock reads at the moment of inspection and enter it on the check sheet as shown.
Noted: 1:01
